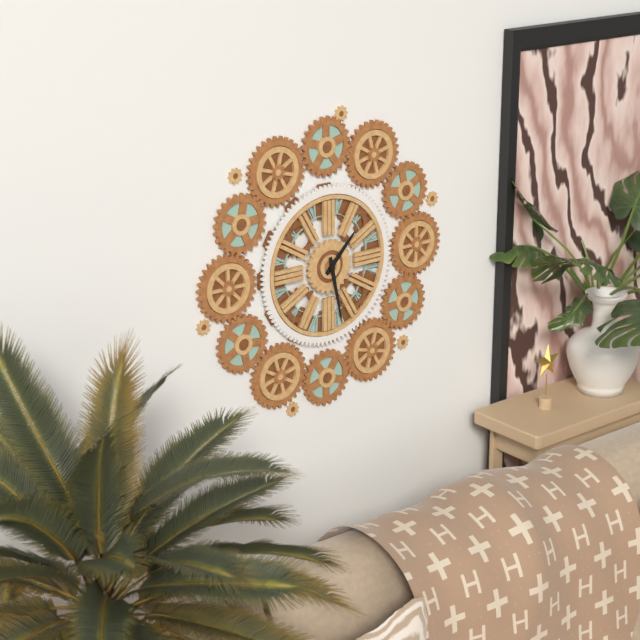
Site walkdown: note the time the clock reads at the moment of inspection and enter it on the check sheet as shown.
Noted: 1:28
